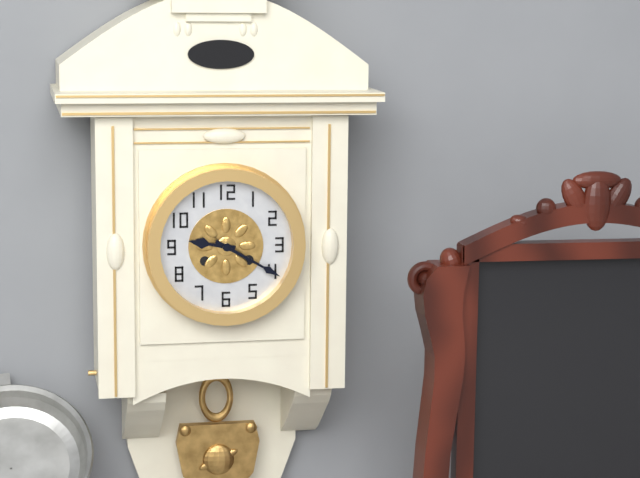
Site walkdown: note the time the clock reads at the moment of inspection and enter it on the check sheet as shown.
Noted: 9:20
